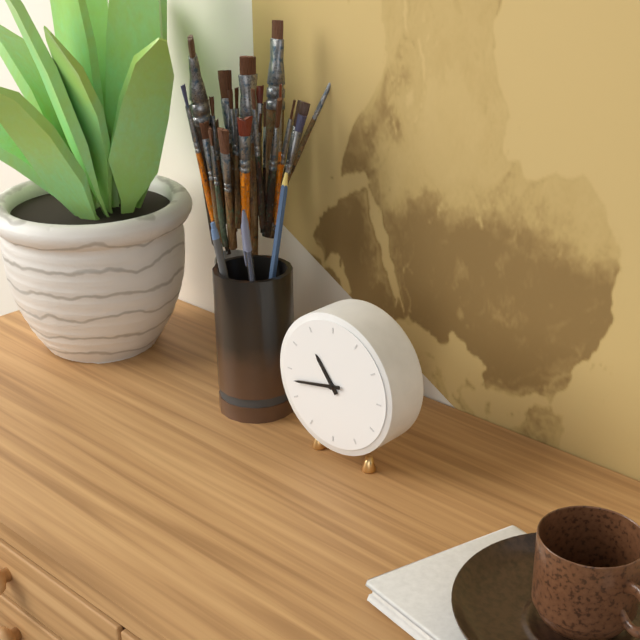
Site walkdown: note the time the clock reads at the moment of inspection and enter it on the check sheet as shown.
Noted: 10:43
